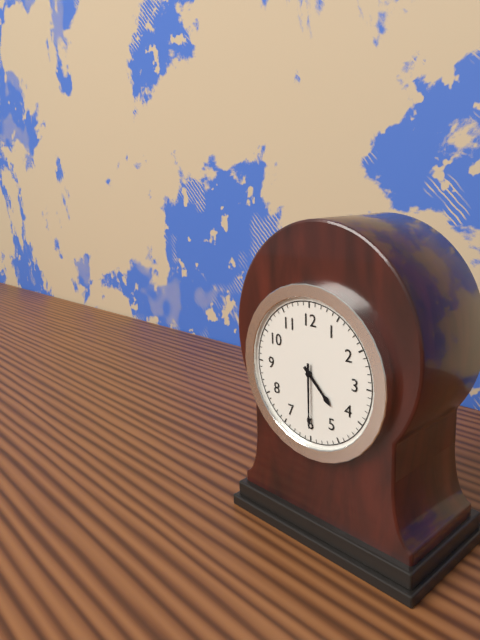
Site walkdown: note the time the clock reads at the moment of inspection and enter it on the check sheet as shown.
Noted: 4:30
